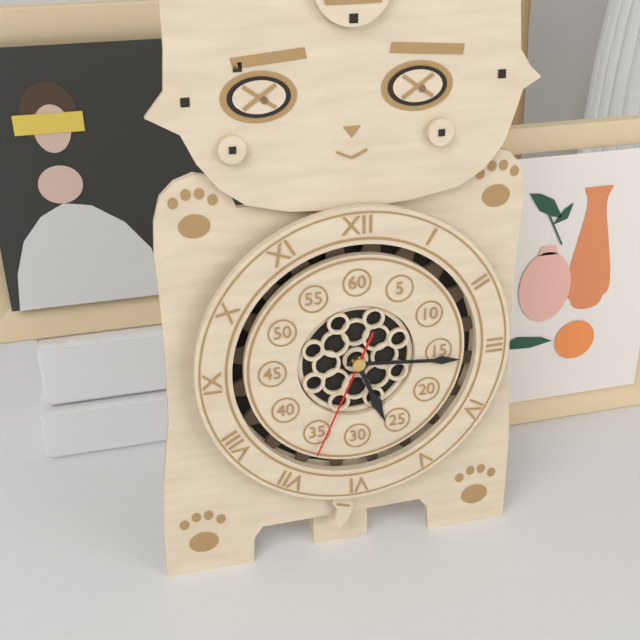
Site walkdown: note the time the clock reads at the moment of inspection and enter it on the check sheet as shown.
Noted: 5:16:34
